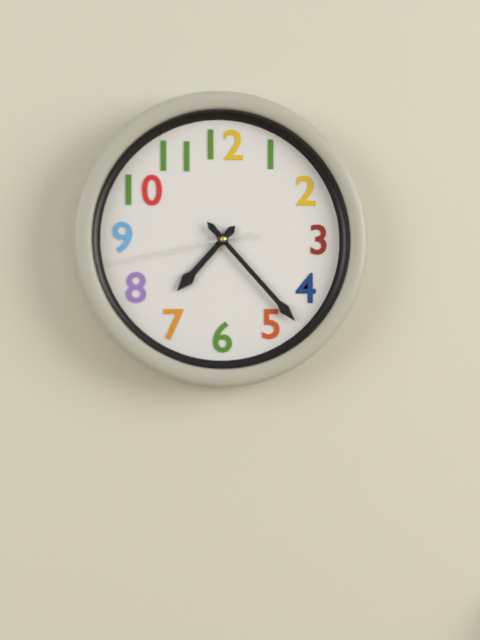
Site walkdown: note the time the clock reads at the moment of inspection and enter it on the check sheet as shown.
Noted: 7:23:43
